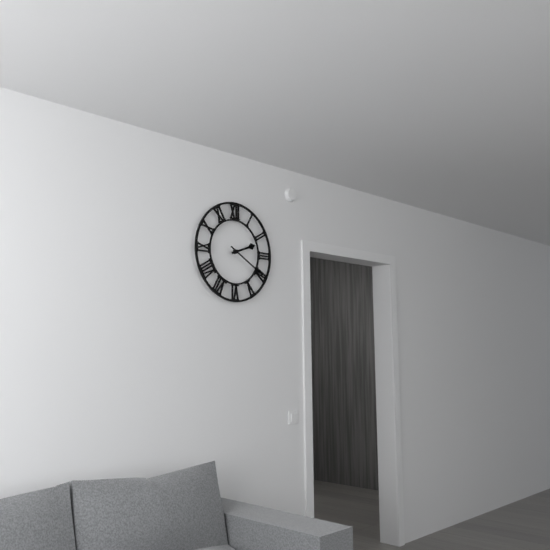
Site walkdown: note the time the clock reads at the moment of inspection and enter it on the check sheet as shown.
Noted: 2:20
